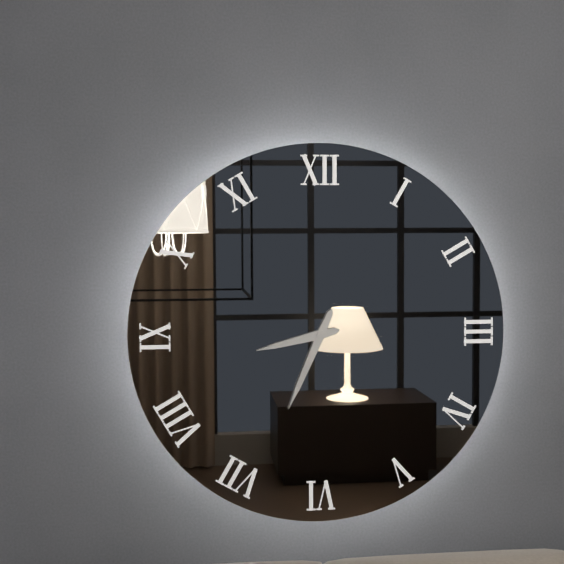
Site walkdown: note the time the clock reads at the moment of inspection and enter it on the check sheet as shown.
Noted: 8:34
